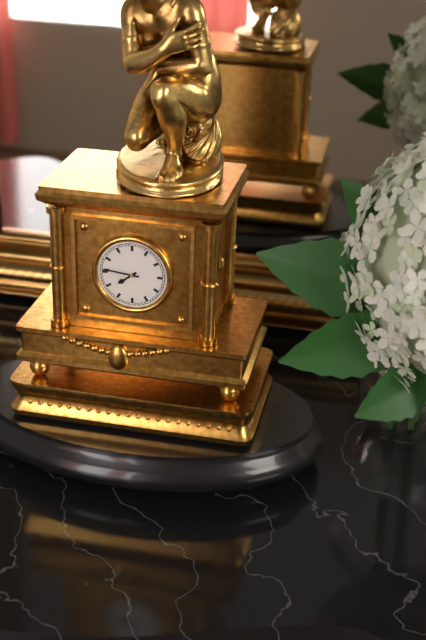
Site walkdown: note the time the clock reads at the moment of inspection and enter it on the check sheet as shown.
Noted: 7:46
